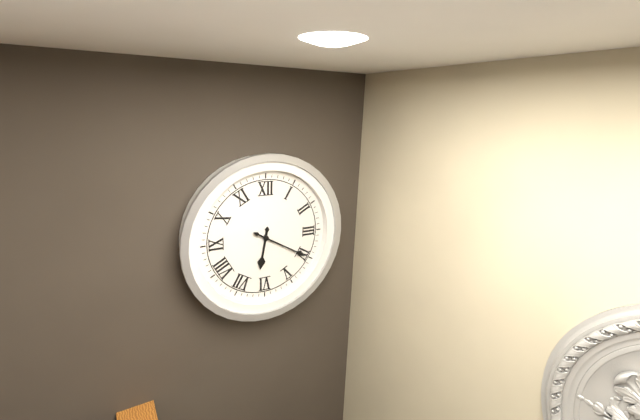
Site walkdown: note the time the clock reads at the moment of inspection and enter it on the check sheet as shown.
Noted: 6:20
